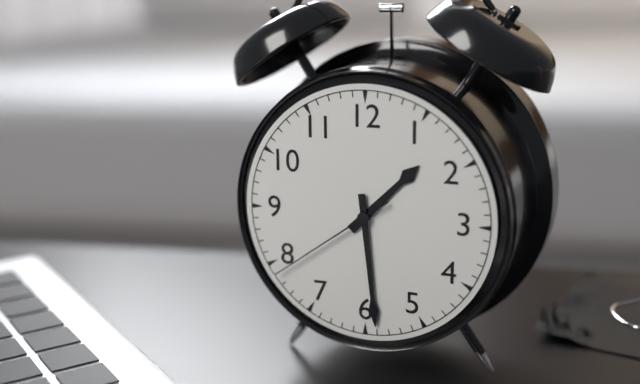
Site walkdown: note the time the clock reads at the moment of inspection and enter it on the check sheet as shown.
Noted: 1:29:39
